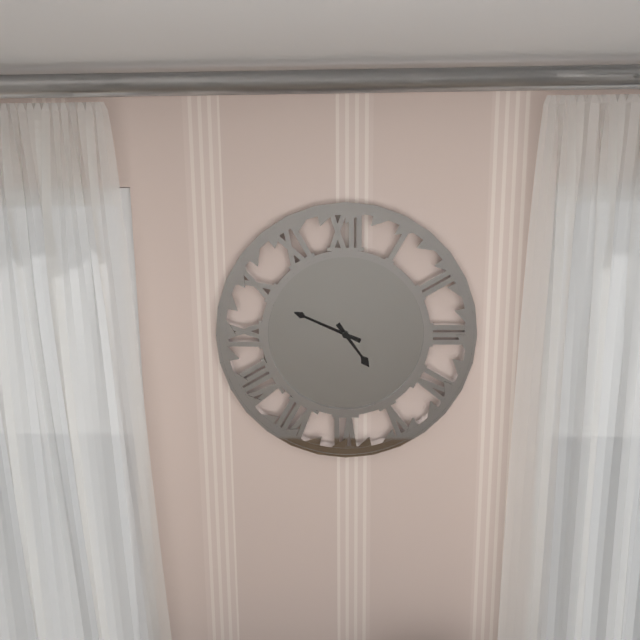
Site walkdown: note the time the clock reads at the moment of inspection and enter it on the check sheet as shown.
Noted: 4:49
